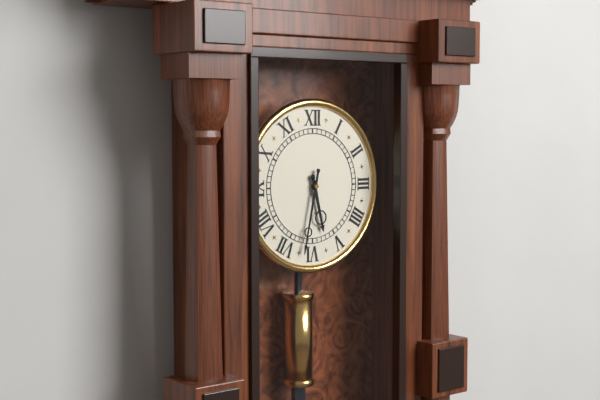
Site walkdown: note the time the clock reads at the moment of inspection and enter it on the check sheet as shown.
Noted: 5:32
